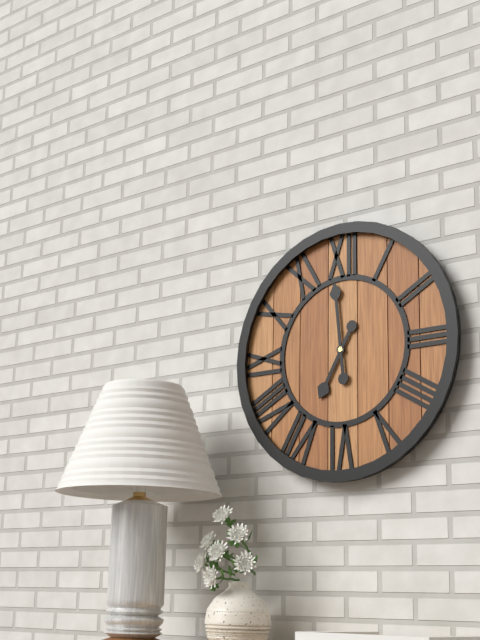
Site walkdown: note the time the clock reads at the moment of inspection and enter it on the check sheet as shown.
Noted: 6:59
